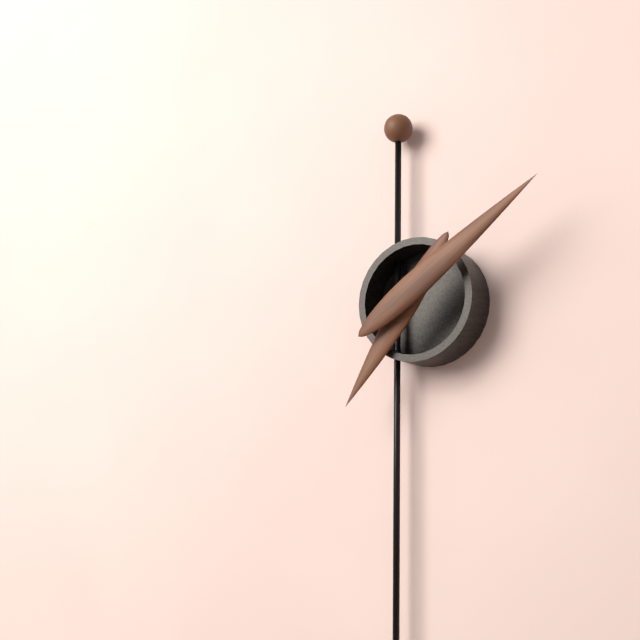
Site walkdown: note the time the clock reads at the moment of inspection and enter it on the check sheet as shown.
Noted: 7:09
